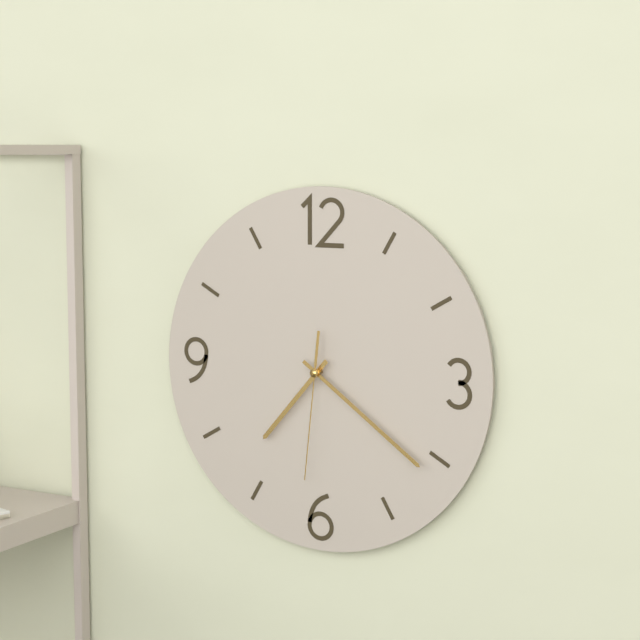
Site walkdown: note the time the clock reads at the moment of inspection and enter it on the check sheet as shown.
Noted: 7:21:31
